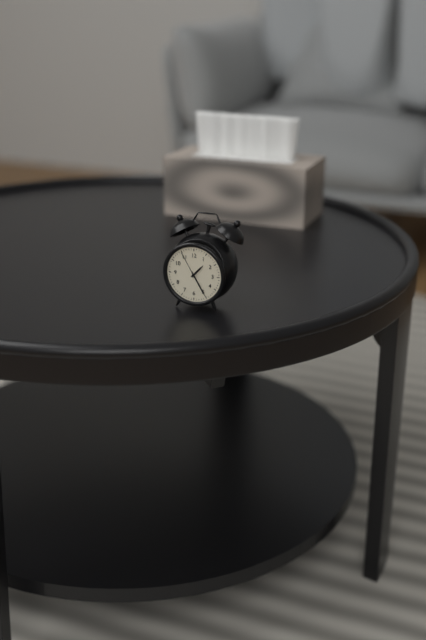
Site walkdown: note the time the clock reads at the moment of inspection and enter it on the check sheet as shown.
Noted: 1:25
